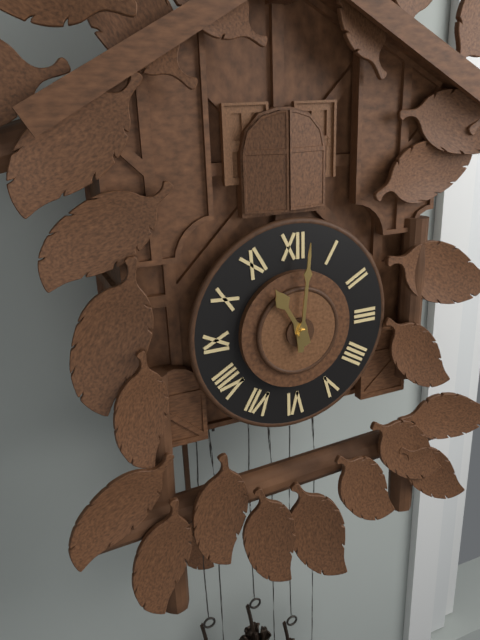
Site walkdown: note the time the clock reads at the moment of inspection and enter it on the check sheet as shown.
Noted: 11:01
